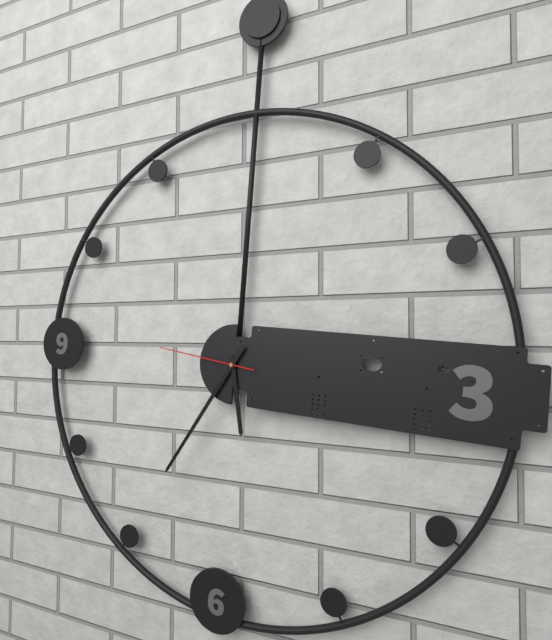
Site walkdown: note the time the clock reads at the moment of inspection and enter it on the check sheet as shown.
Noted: 5:35:46
